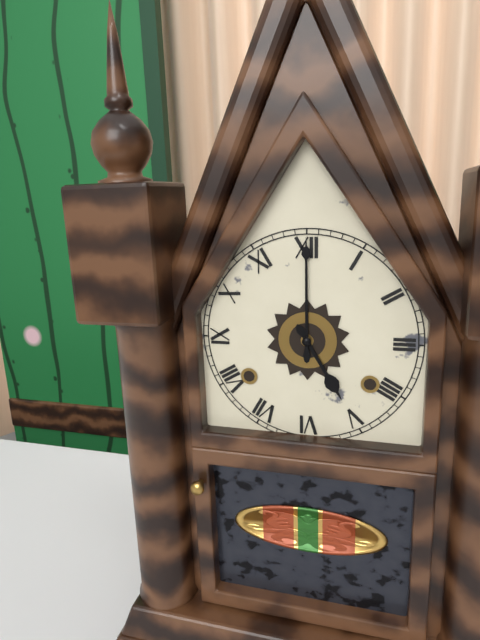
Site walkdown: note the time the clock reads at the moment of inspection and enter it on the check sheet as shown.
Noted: 5:00
